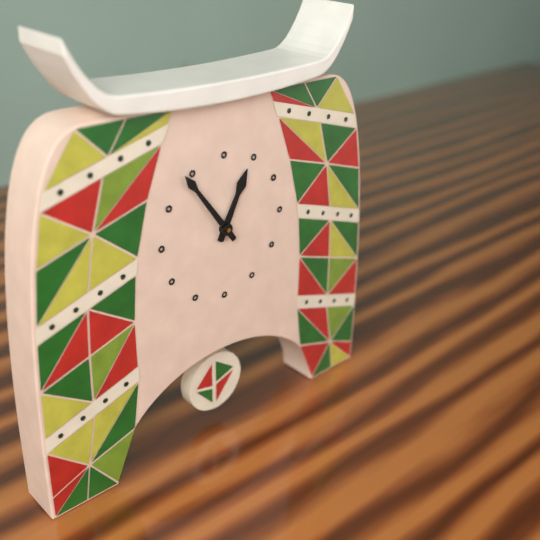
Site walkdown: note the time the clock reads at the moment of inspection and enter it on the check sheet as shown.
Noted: 12:54
